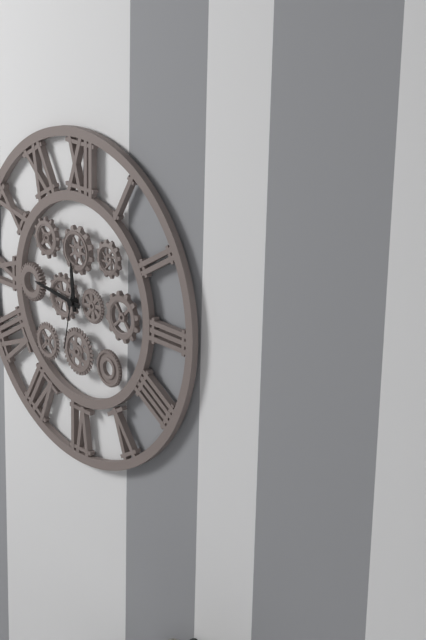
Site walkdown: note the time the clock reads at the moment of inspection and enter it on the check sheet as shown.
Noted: 11:46:32
